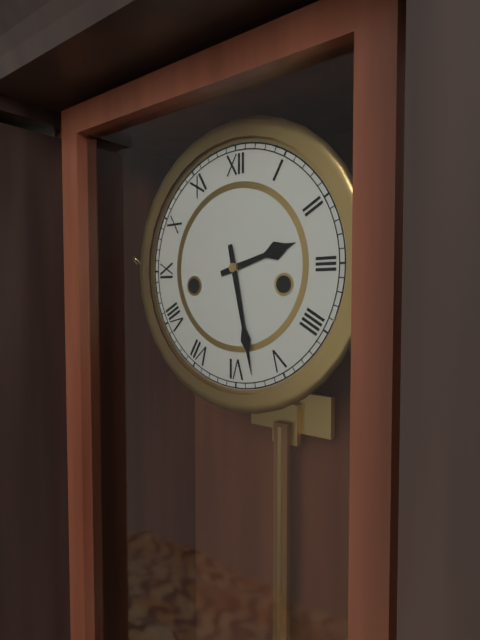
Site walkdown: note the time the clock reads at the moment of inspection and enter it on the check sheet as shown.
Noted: 2:28
